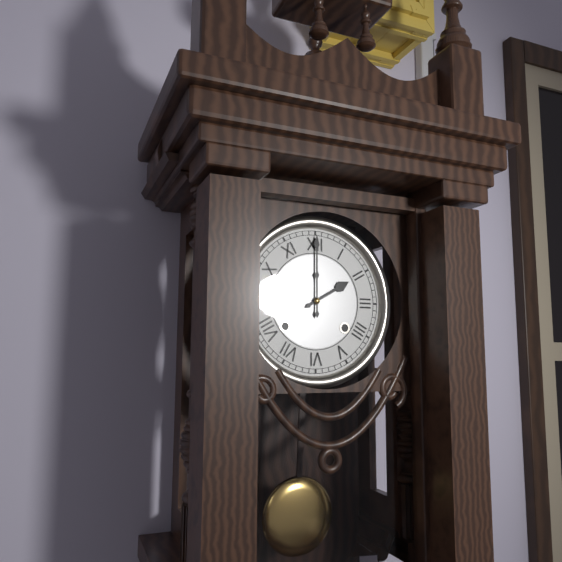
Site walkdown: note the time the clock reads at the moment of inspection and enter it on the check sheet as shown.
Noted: 2:00
